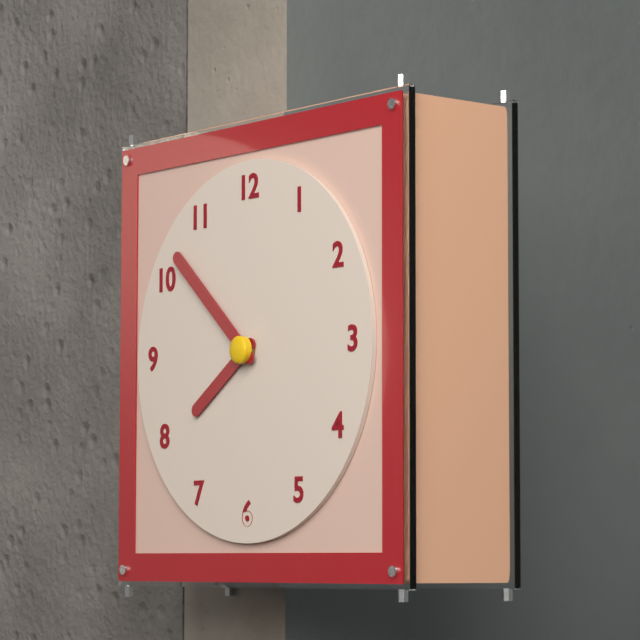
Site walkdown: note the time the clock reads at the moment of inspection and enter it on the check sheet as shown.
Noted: 7:52
